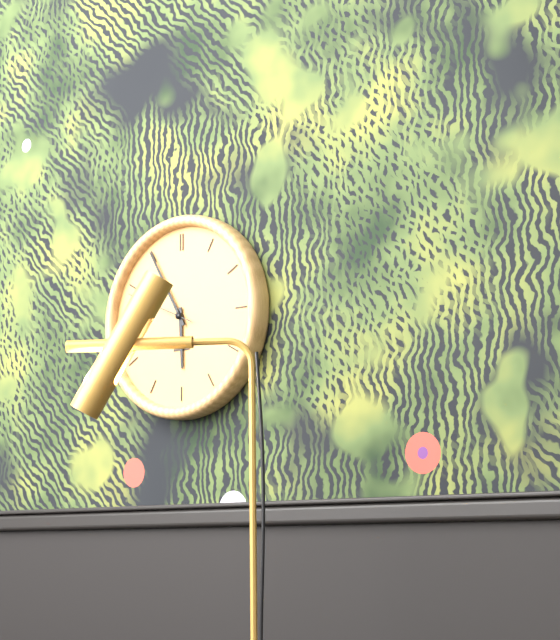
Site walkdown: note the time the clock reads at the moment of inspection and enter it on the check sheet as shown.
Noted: 5:55
